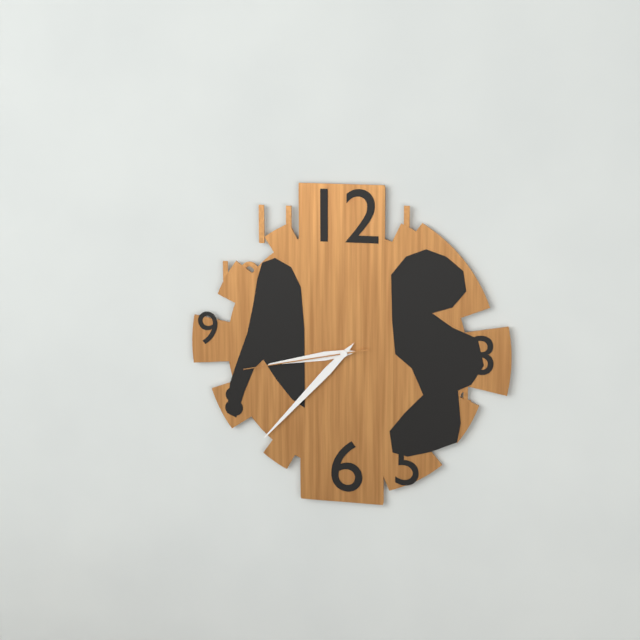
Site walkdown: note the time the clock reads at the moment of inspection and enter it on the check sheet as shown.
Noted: 8:37:43
